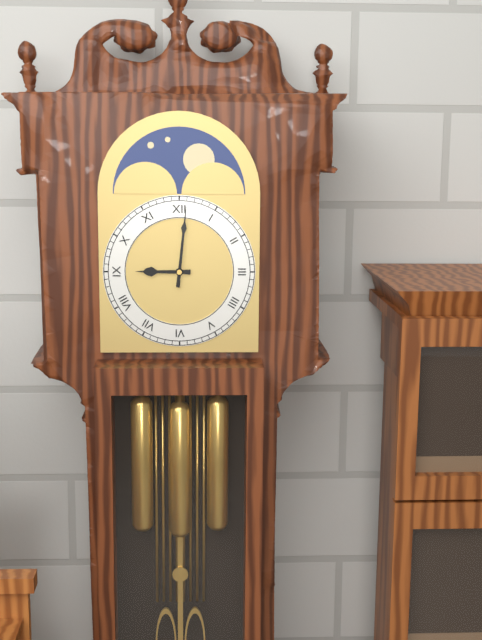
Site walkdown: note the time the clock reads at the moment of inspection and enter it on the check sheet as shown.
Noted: 9:01
